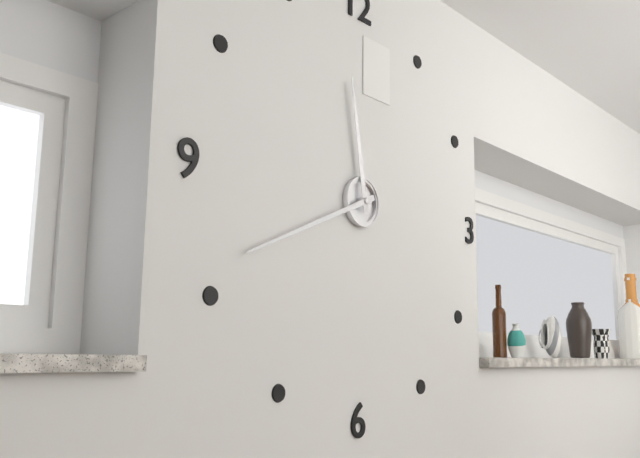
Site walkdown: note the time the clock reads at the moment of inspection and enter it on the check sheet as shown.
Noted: 11:41
